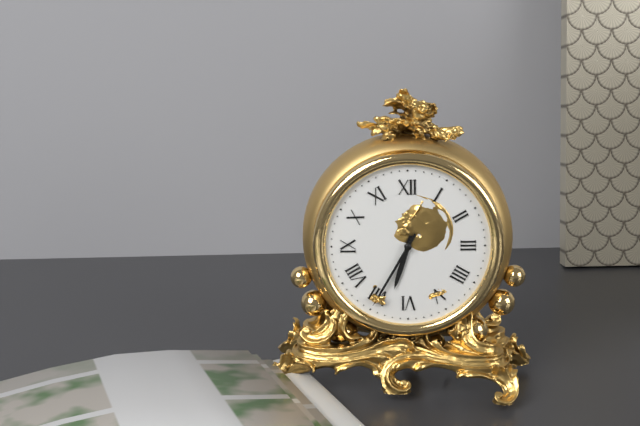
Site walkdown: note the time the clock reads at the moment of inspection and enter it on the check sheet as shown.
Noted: 6:35
